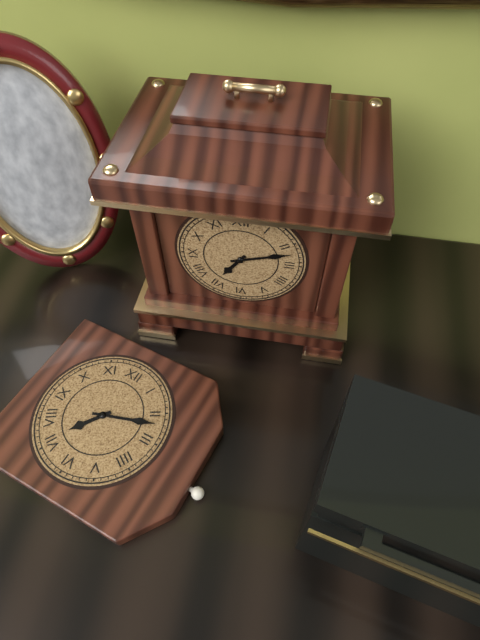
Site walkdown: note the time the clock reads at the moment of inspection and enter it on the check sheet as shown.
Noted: 7:12
